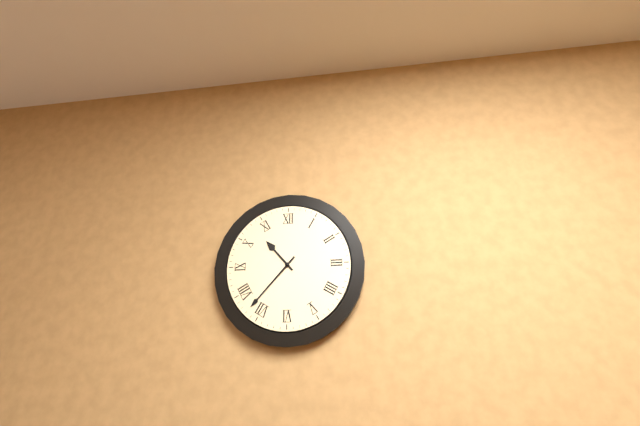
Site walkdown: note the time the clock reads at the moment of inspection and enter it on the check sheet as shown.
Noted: 10:37
